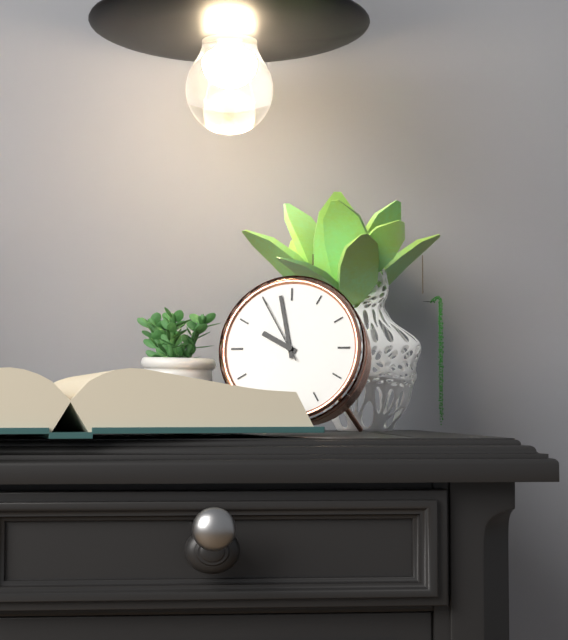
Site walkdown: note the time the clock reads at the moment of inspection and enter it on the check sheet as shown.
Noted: 9:58:55
